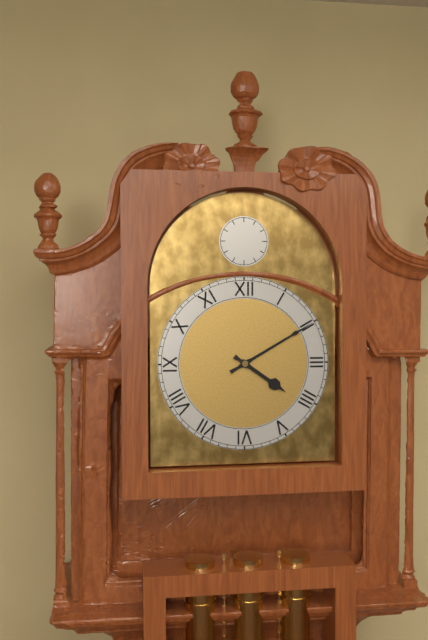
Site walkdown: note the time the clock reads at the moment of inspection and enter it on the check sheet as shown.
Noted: 4:10
